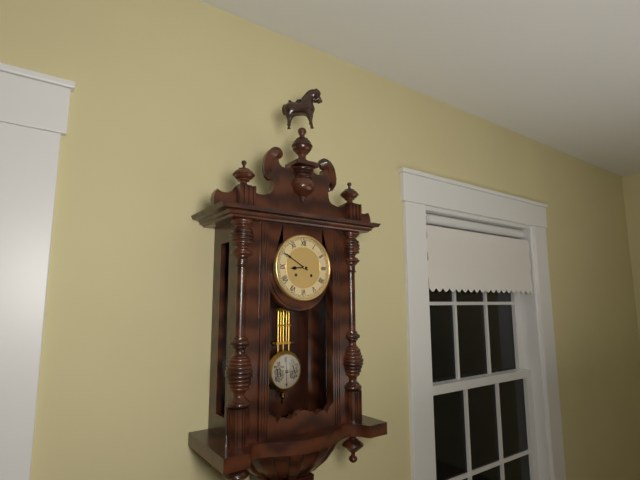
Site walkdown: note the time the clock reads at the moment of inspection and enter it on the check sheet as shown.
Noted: 8:50
